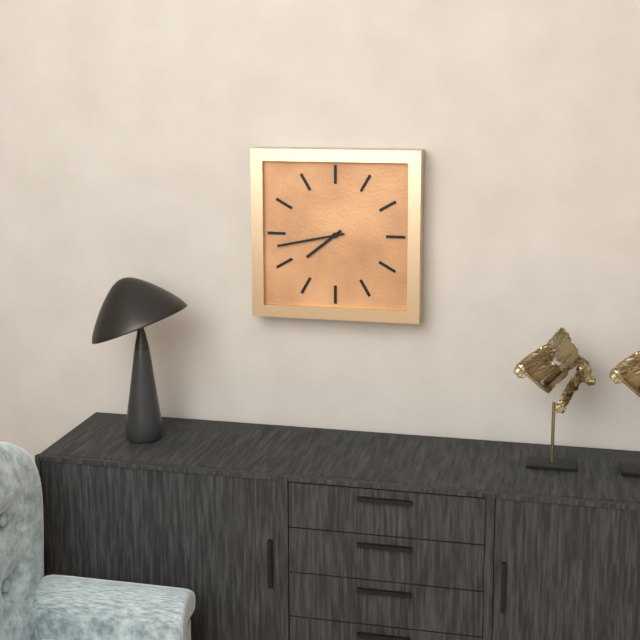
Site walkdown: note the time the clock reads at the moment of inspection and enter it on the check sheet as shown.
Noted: 7:43
